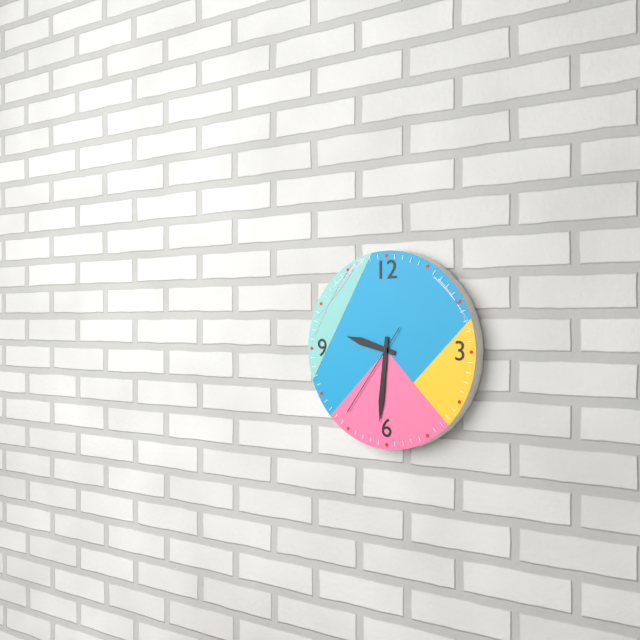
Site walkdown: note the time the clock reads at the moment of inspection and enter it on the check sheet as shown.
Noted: 9:31:36
